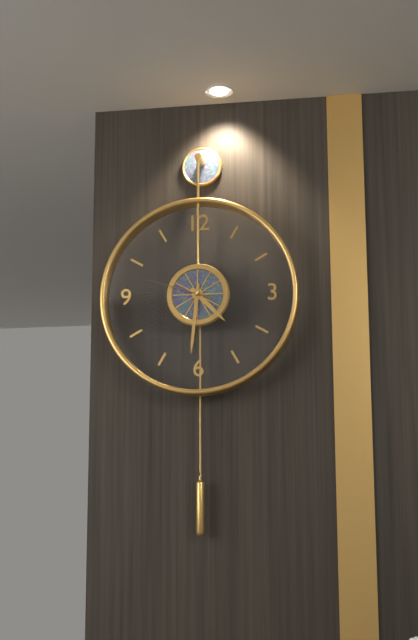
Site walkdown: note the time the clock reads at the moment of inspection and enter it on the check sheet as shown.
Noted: 4:31:48
